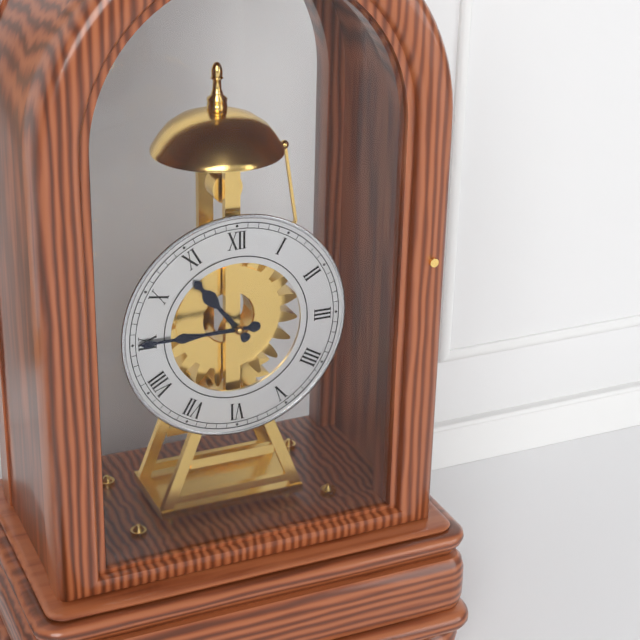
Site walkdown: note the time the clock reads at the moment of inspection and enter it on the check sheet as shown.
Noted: 10:45
